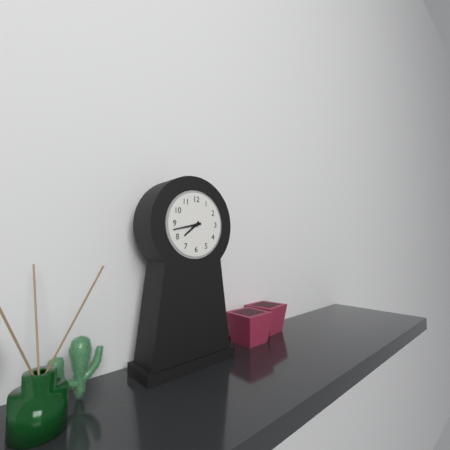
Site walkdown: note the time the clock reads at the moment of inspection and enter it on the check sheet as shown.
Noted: 7:43
